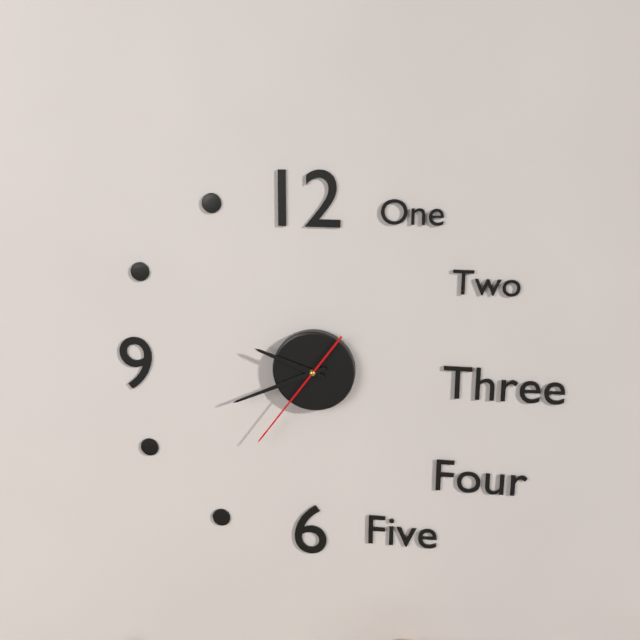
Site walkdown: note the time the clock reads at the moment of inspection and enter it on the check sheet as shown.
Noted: 9:41:36
